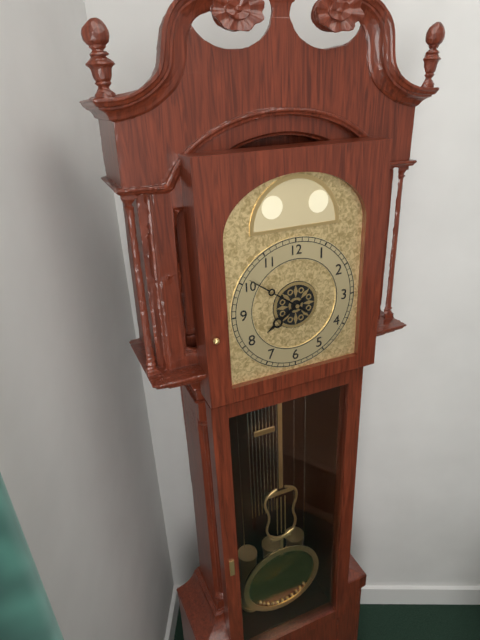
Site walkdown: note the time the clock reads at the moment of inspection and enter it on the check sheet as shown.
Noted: 7:51
